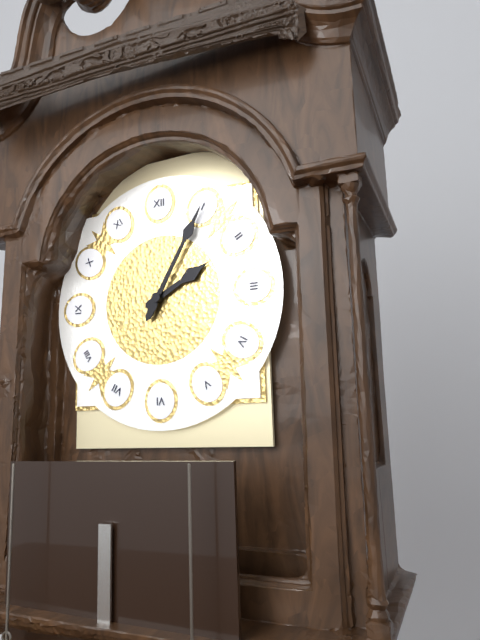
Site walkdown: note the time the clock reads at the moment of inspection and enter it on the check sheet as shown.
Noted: 2:05
